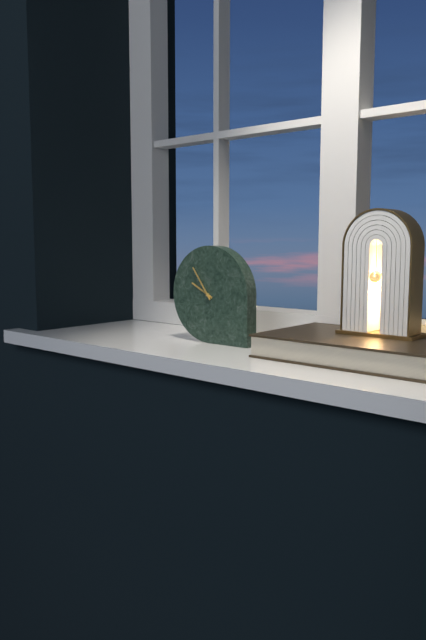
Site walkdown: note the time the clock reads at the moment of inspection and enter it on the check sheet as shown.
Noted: 9:54
